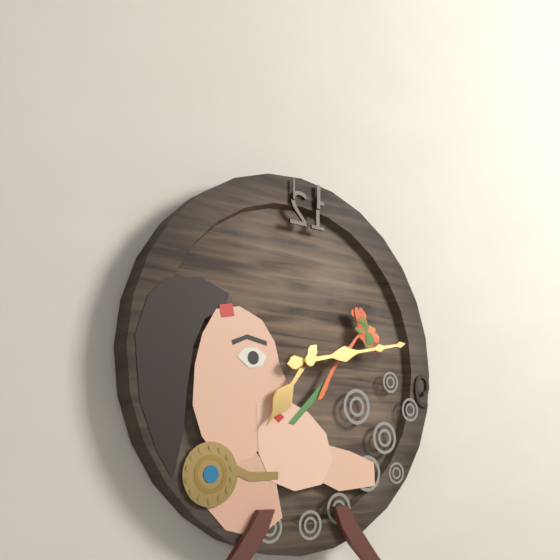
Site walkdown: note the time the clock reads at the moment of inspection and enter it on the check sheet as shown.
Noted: 7:13
